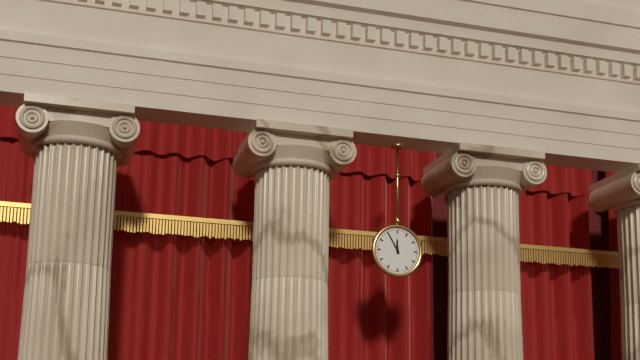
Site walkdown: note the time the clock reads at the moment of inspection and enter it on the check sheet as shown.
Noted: 11:55
